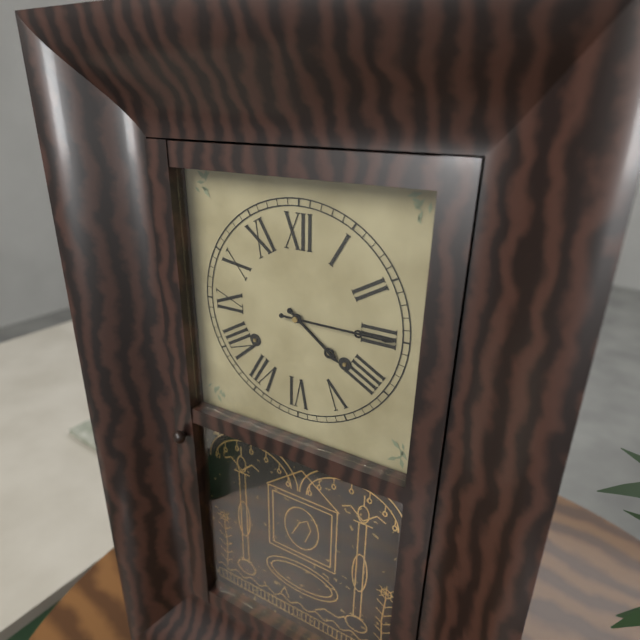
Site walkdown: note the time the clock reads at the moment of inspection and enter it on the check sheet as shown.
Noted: 4:15
